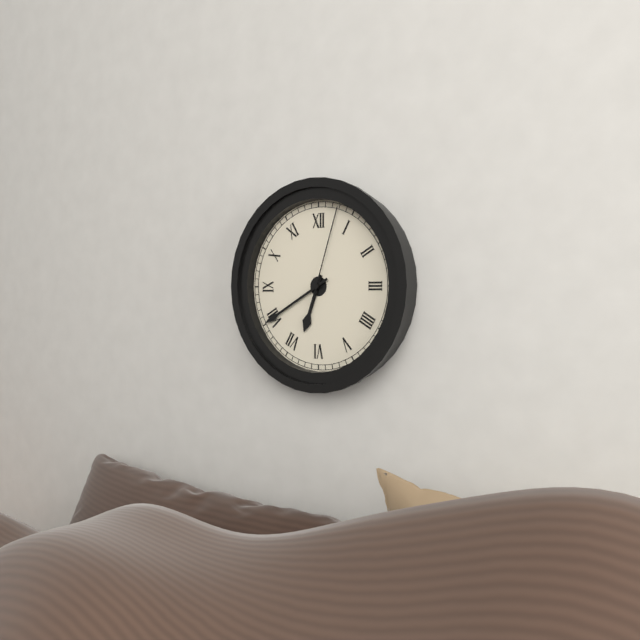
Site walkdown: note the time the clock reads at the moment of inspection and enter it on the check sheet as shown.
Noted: 6:40:03
